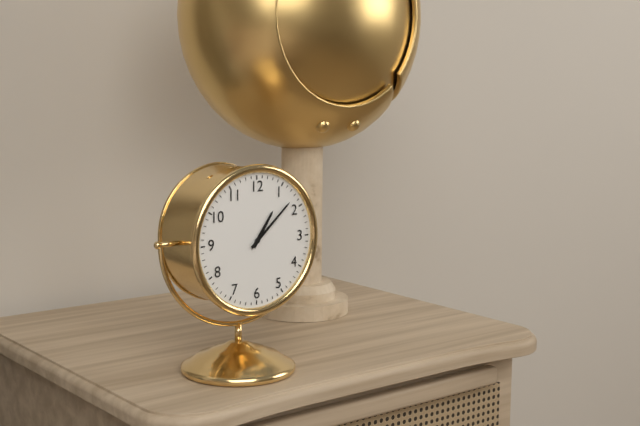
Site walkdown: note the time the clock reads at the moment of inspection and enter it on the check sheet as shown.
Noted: 1:08
